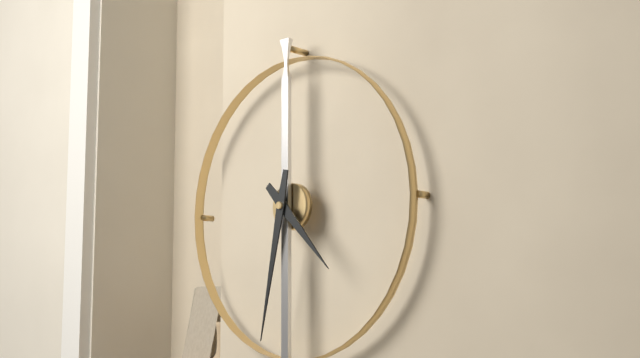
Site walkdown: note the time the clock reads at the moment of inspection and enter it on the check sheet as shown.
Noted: 4:32
